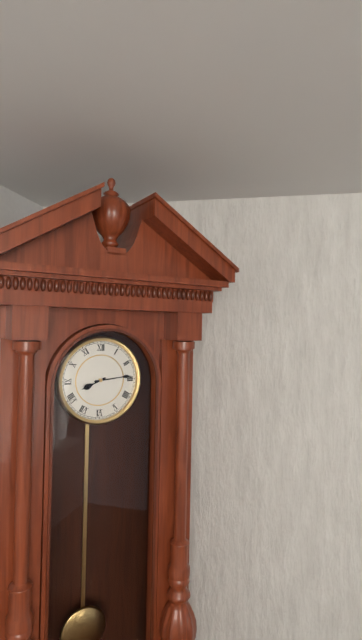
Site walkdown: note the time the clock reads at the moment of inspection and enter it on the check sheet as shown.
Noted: 8:14
